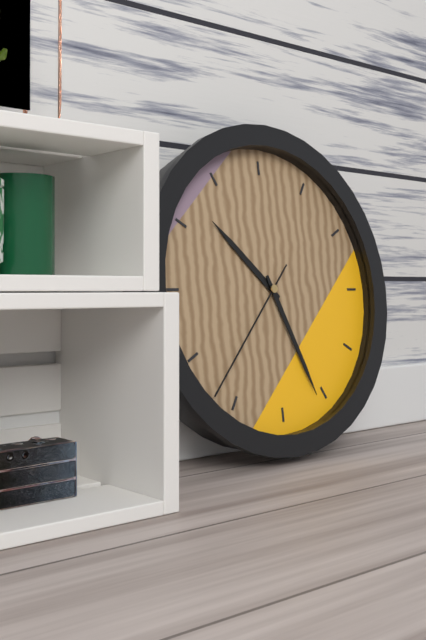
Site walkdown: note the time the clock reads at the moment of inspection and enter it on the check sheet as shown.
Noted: 10:26:37
